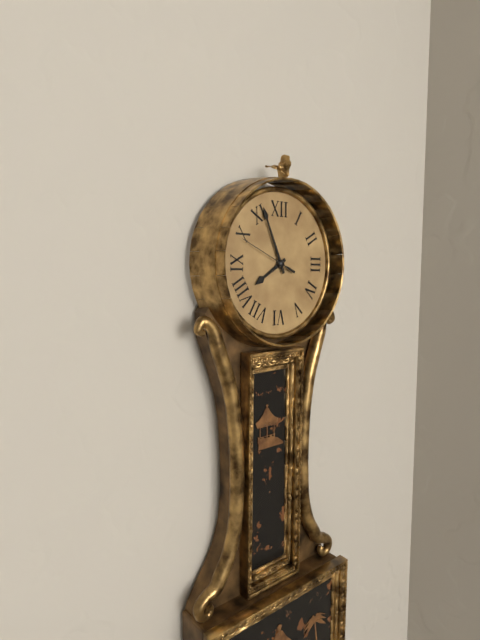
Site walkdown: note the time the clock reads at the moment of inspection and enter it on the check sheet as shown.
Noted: 7:56:49
